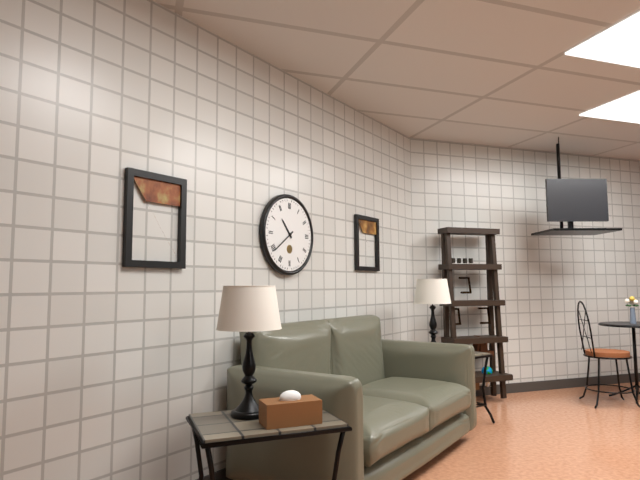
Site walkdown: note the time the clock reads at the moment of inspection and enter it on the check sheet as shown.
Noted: 10:39
